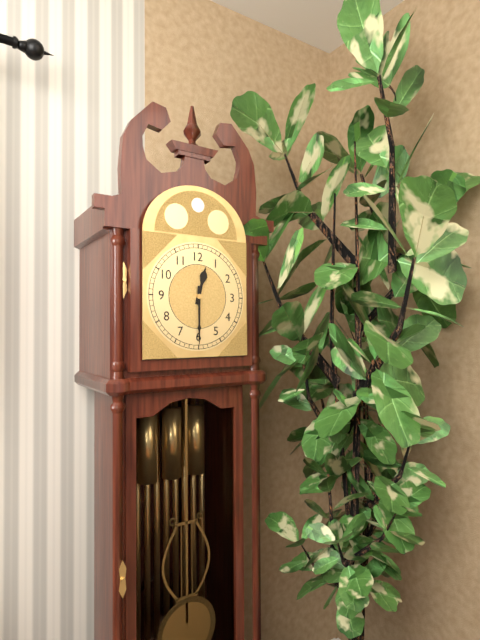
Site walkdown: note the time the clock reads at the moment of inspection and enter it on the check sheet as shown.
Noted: 12:30
